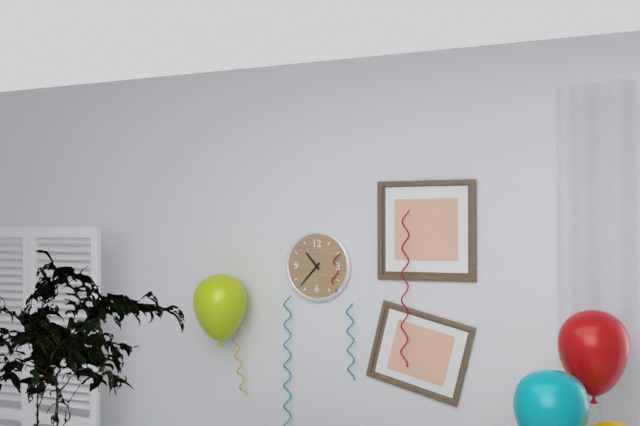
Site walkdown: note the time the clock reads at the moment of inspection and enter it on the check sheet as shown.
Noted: 10:37
